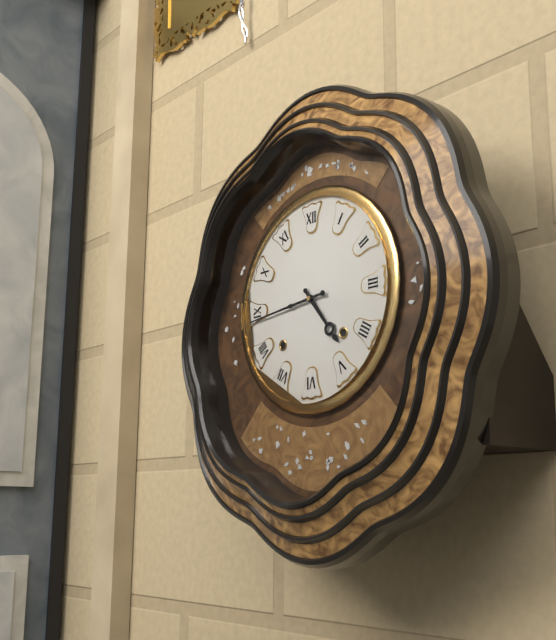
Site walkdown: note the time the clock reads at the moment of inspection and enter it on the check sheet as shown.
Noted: 4:44
